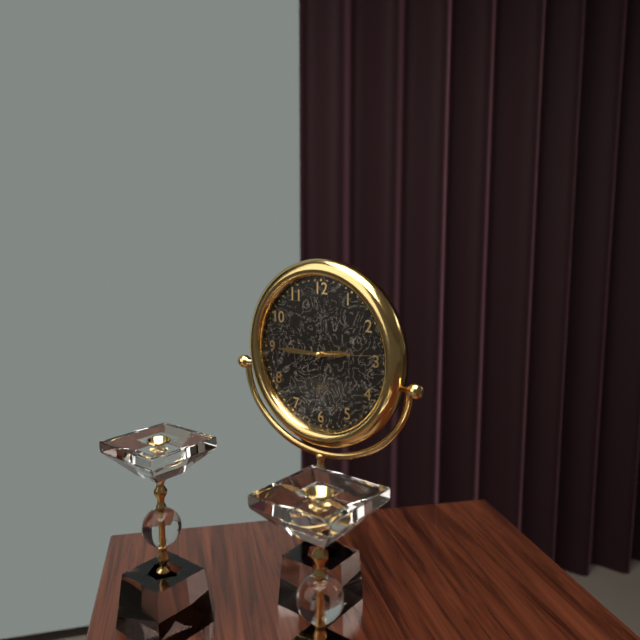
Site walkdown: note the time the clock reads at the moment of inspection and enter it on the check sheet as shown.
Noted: 2:45:14
